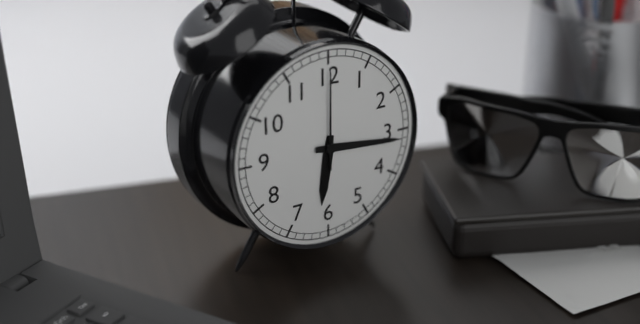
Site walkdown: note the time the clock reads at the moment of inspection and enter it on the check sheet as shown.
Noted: 6:16:00
